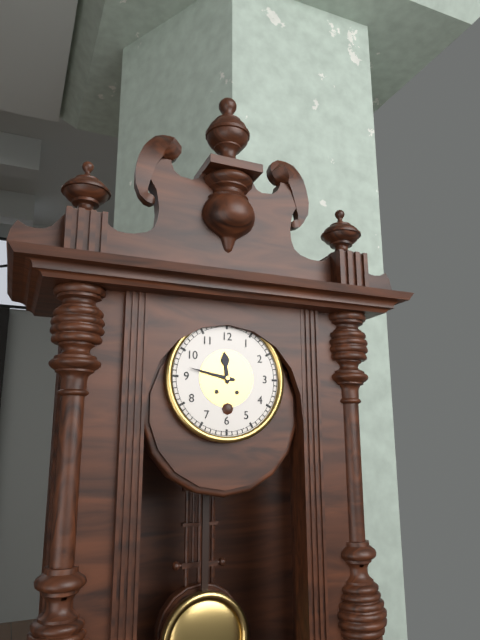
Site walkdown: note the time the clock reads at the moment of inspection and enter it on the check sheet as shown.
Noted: 11:47
